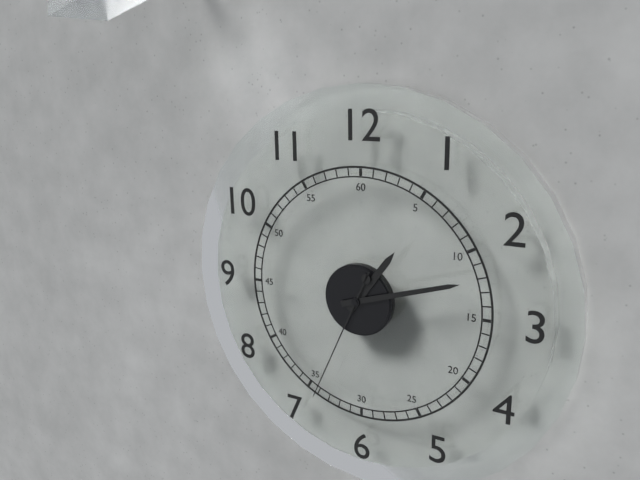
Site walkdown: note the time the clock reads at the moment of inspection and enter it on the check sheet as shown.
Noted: 1:12:34
